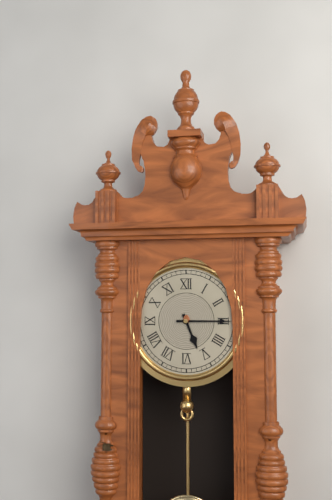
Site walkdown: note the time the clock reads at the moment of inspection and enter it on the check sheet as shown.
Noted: 5:15
